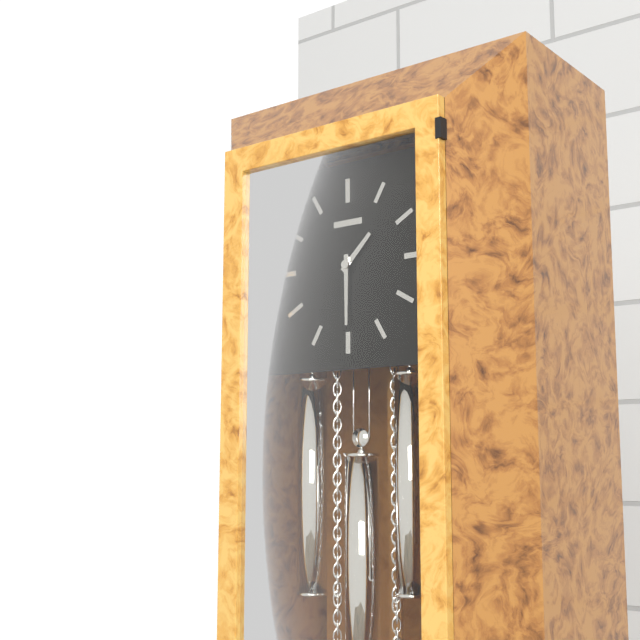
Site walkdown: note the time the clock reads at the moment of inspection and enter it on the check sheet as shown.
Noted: 1:30
